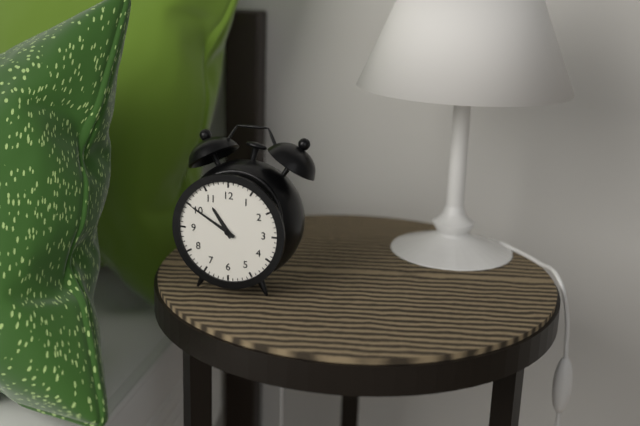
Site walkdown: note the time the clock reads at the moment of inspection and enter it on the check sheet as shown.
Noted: 10:50
